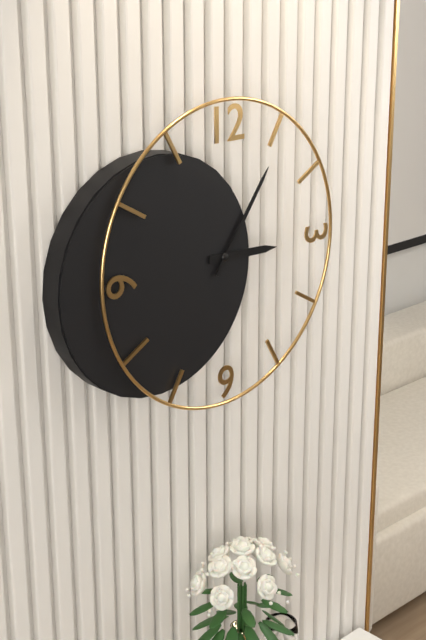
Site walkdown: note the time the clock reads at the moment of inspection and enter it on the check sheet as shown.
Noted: 3:06
